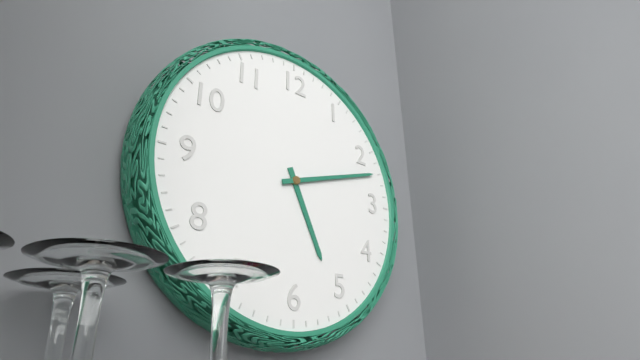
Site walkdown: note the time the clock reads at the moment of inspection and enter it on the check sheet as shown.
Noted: 5:12
